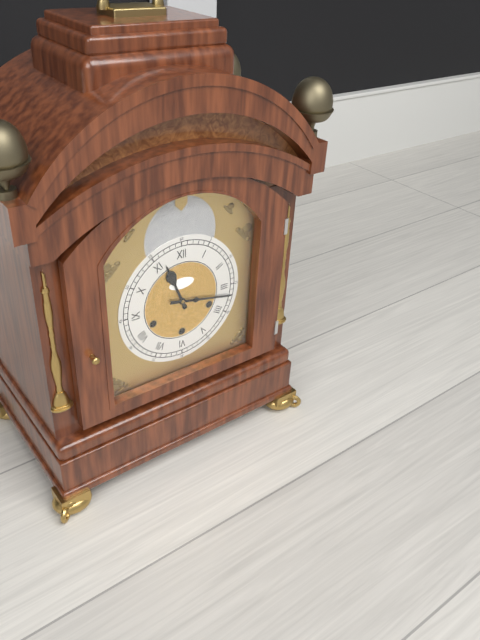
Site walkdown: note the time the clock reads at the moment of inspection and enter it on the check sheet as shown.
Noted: 11:17
